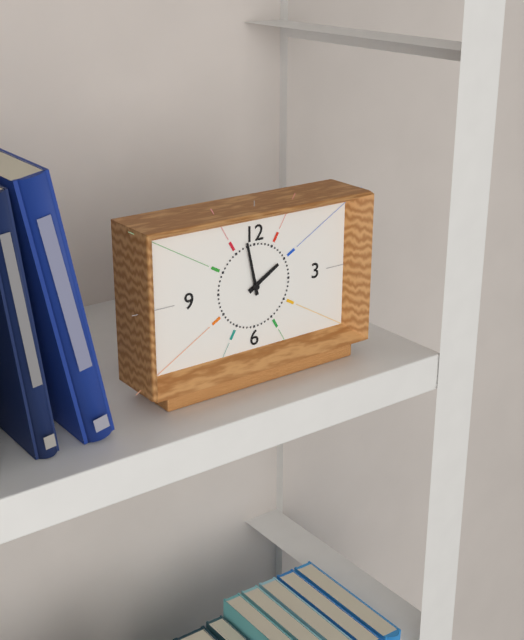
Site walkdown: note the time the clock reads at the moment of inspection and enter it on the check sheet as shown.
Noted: 1:58
